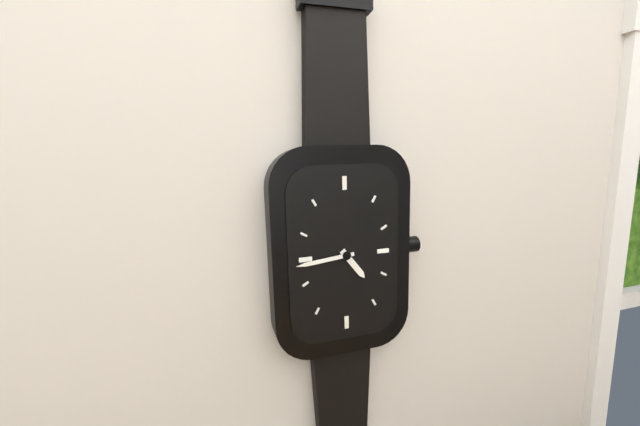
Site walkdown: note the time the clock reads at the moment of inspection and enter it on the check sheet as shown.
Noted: 4:44
